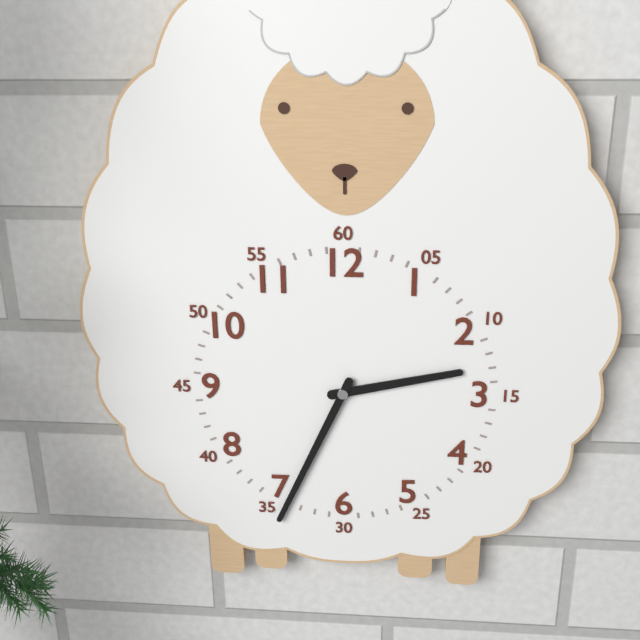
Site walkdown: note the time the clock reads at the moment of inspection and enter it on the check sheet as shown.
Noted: 2:34
